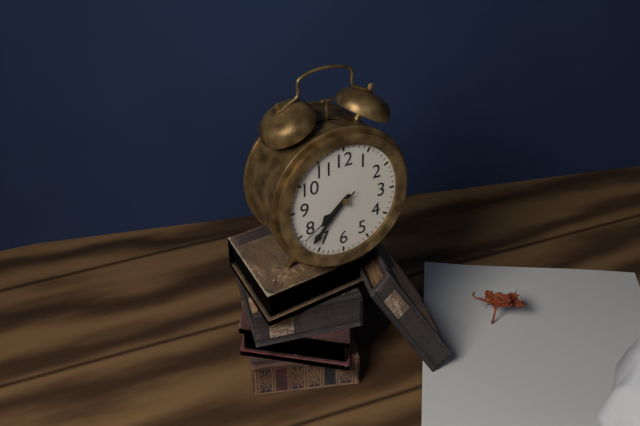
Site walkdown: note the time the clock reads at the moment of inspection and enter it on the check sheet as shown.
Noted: 7:37:39
